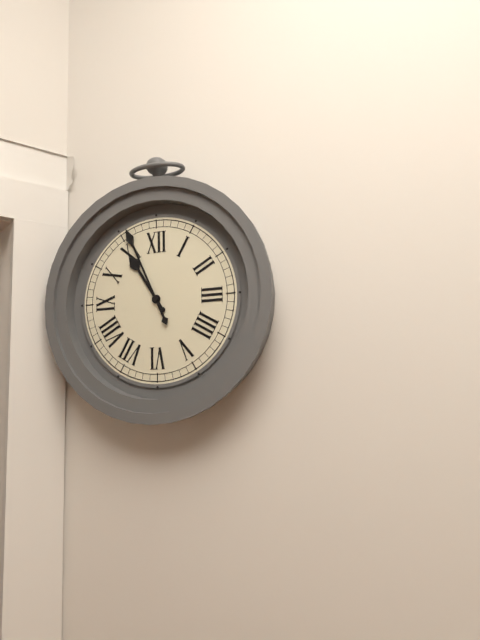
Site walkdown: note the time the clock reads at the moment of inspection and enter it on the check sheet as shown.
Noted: 10:56
